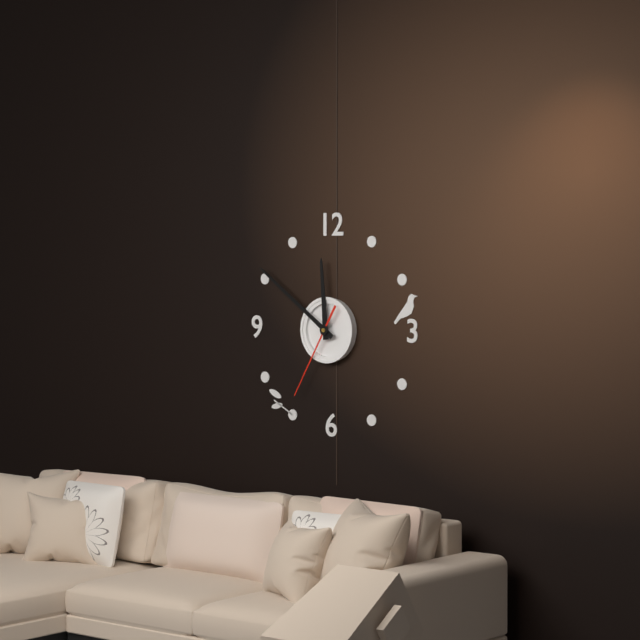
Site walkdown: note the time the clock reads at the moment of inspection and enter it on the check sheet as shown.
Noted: 11:51:35
